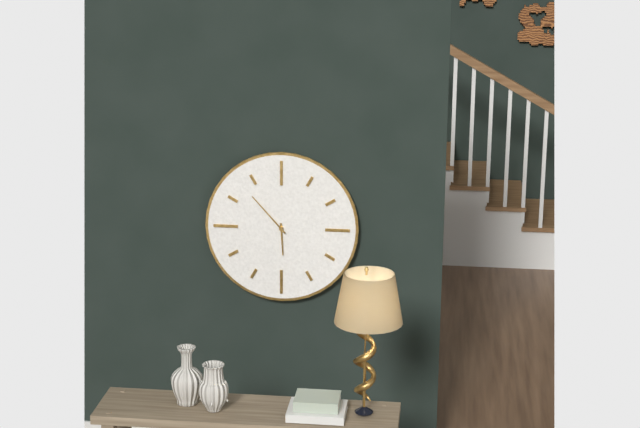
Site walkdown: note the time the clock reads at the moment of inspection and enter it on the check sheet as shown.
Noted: 5:53
